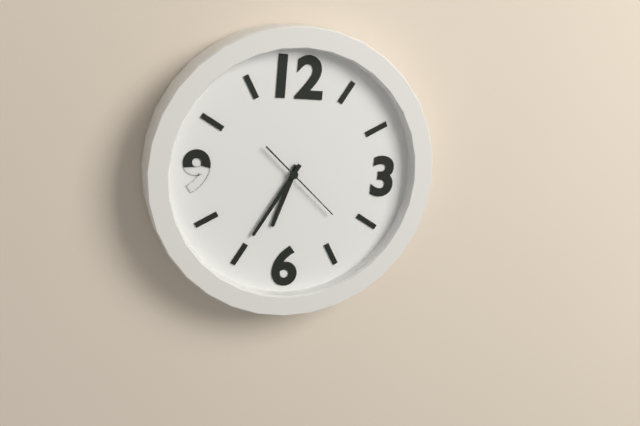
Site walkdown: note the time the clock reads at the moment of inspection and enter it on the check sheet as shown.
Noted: 6:35:22
